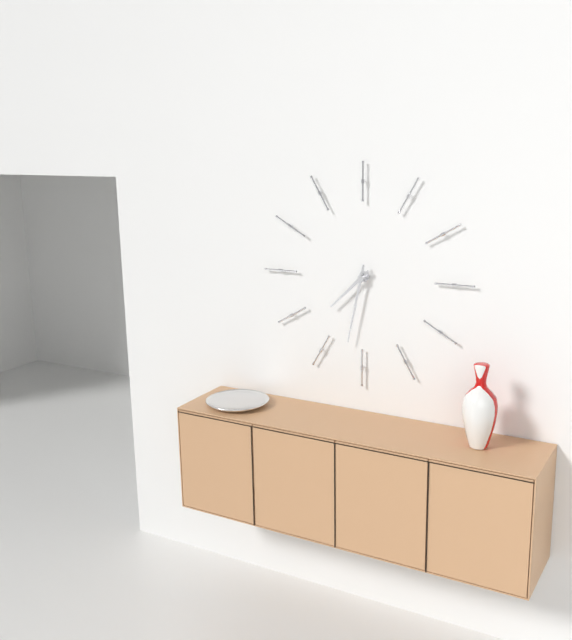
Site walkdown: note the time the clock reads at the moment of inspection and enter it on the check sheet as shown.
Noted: 7:32
